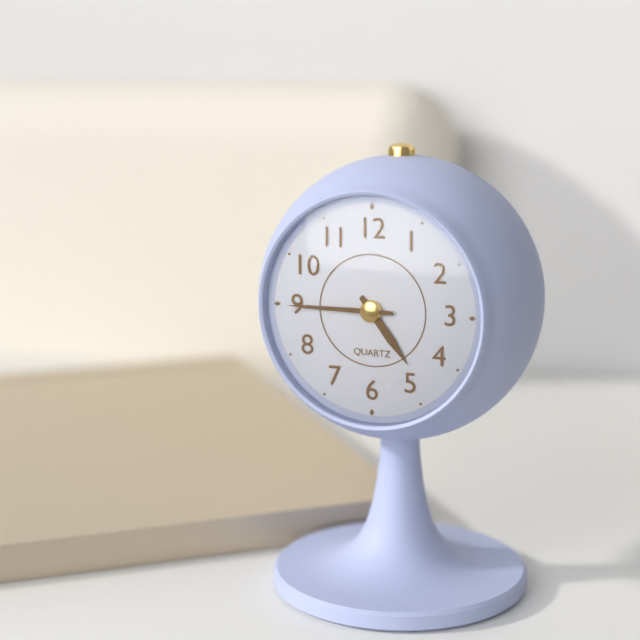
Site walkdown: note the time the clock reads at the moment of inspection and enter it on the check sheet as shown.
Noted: 4:45
